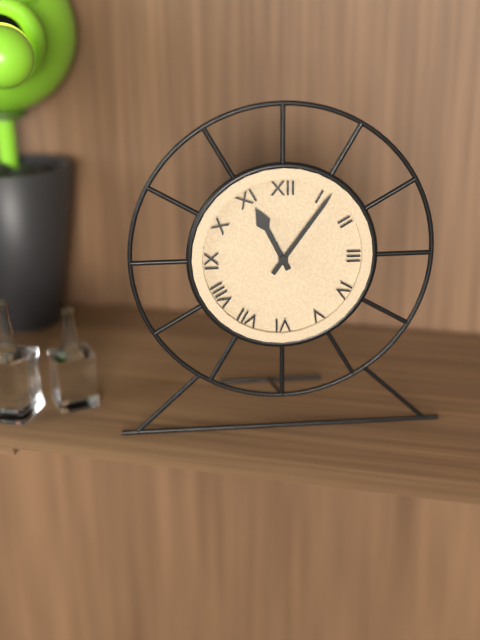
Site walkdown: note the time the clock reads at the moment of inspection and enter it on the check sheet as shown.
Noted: 11:06
